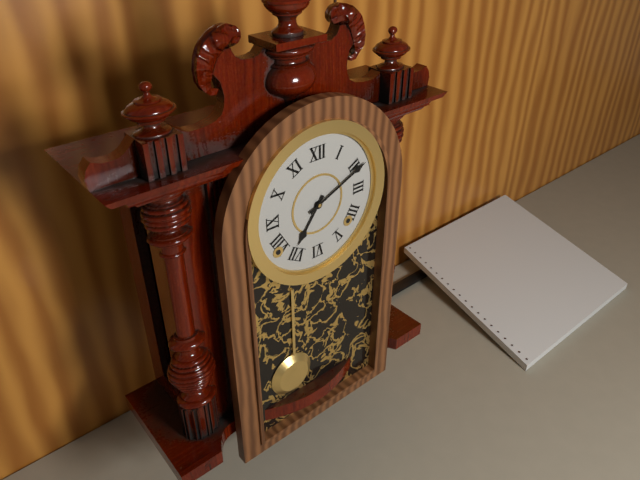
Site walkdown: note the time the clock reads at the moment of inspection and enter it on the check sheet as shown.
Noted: 7:11
